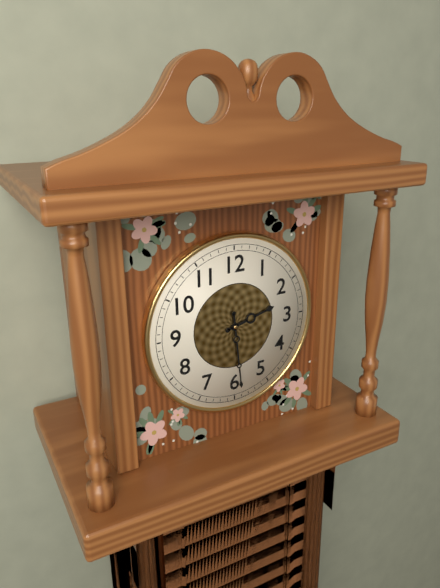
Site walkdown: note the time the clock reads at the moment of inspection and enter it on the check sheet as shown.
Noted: 2:29
